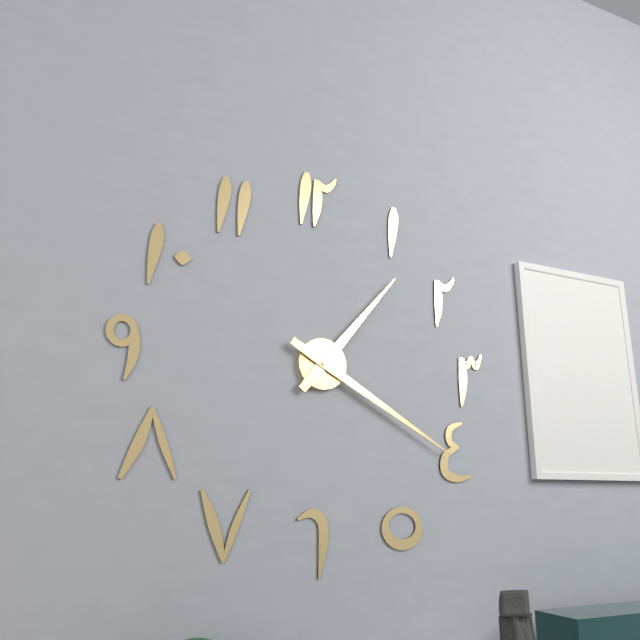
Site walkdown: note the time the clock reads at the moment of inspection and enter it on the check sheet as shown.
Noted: 1:20
